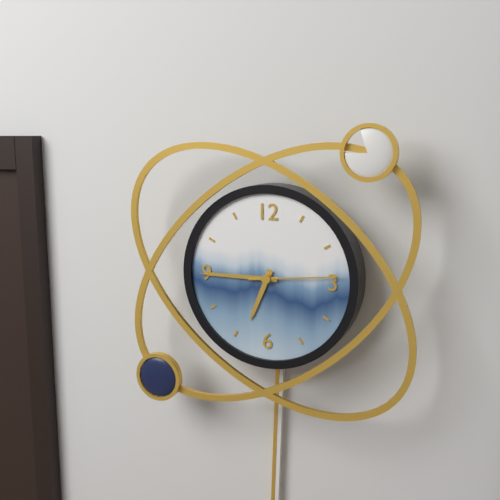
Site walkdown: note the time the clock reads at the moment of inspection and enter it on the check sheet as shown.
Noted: 6:45:14
